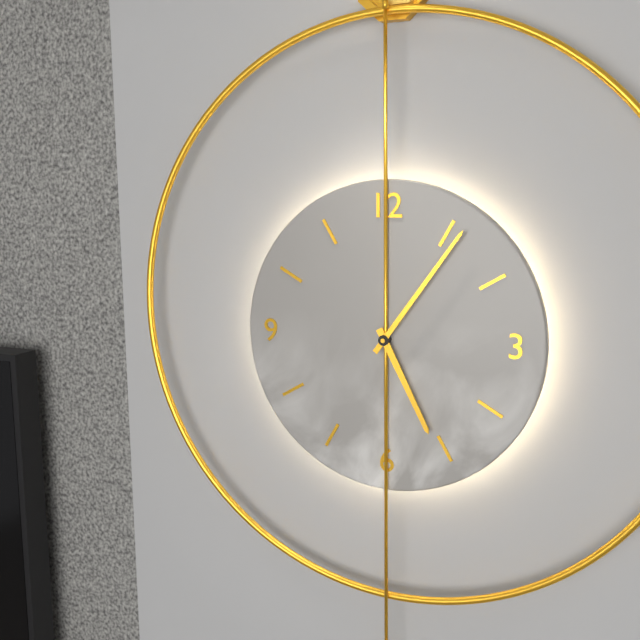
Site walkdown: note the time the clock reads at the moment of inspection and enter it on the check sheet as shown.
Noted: 5:06
